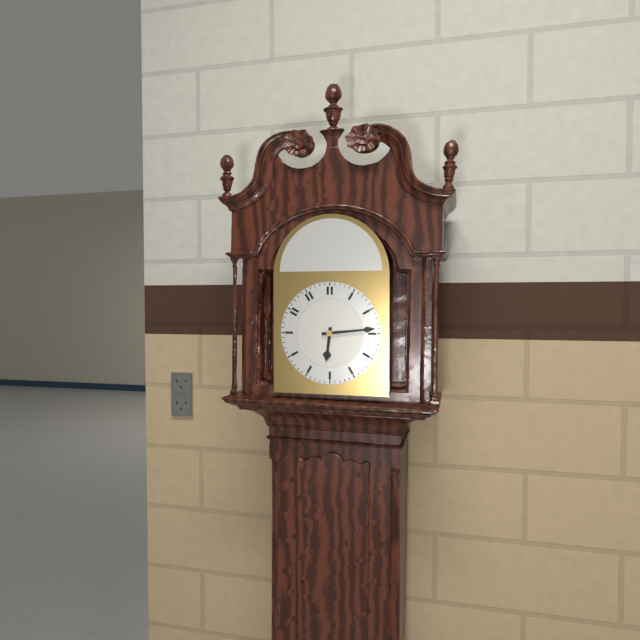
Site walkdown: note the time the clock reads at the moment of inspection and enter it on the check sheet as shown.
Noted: 6:14
